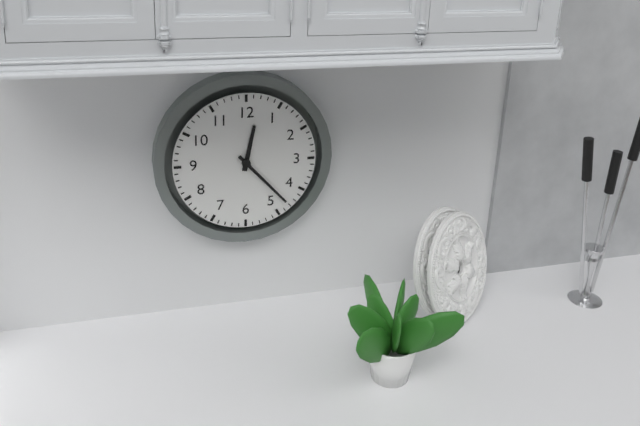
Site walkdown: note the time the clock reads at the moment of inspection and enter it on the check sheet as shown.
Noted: 12:23
